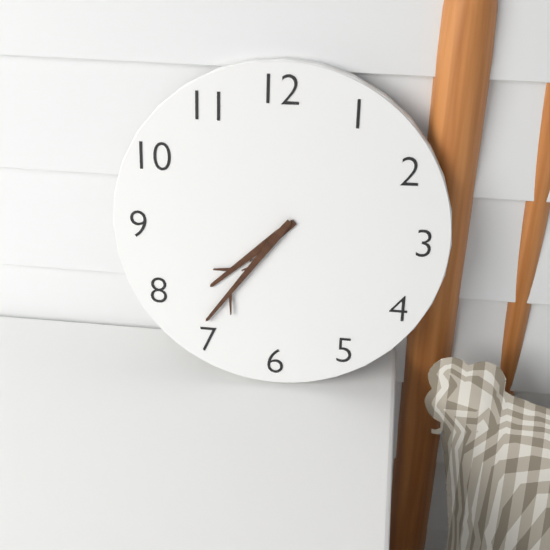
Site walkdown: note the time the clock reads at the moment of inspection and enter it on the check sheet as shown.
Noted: 7:36
